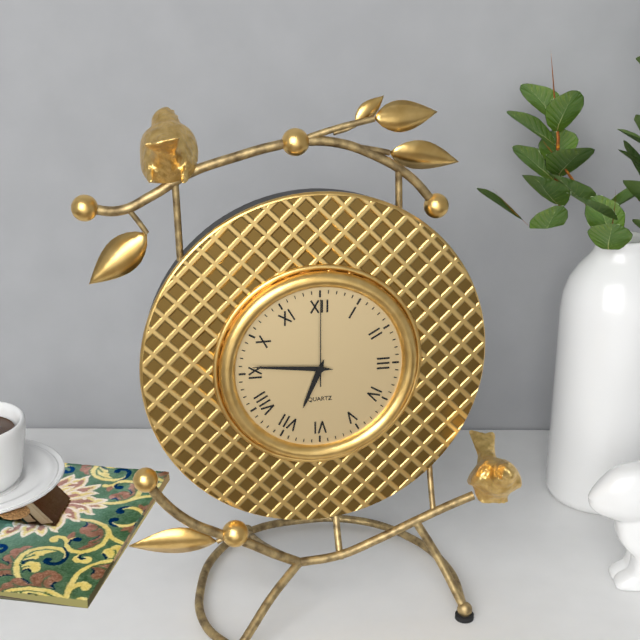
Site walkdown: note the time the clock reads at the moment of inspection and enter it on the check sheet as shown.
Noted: 6:46:00
